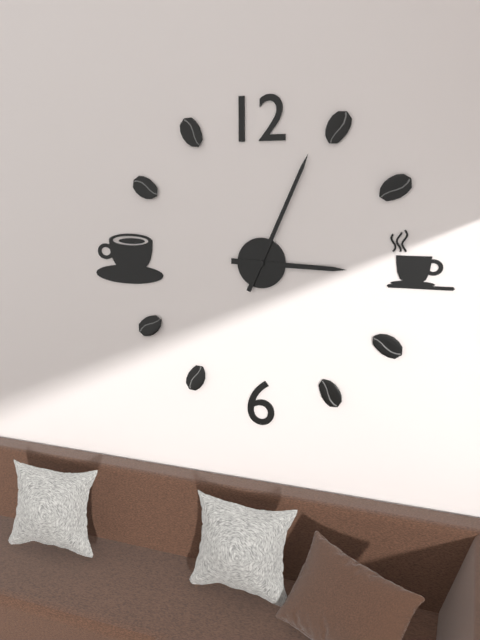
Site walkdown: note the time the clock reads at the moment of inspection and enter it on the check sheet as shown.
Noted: 3:04
